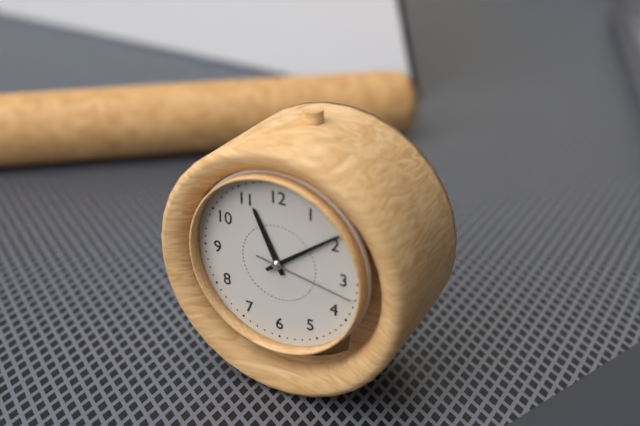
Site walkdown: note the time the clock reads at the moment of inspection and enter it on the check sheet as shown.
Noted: 11:09:17
